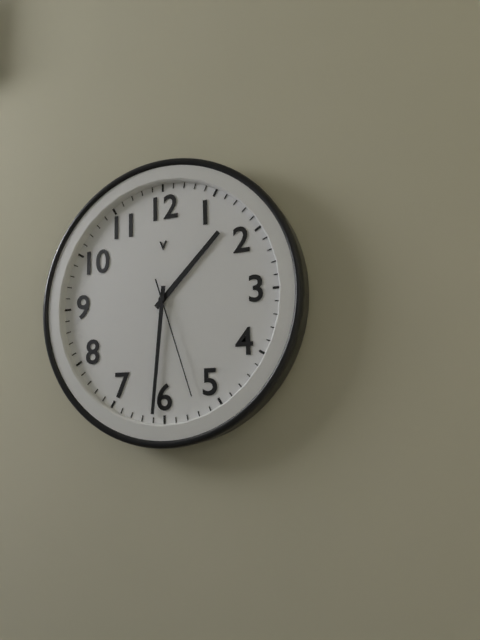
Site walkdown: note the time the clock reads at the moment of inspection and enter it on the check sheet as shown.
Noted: 1:31:27
